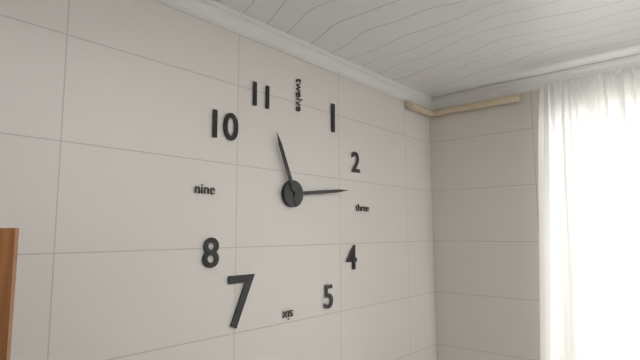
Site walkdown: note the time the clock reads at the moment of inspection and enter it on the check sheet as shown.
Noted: 11:14
